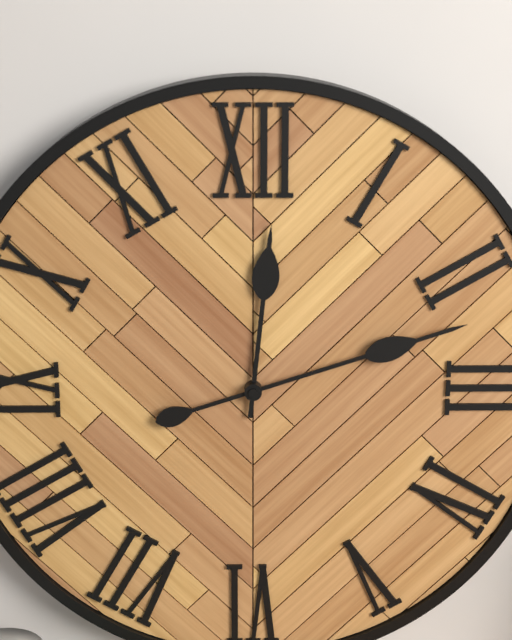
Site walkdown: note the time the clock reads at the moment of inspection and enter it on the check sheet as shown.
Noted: 12:12
